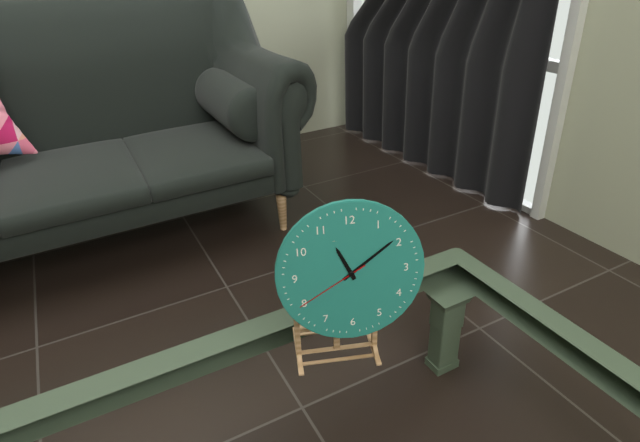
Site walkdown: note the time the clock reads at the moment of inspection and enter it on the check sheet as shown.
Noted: 11:09:40
